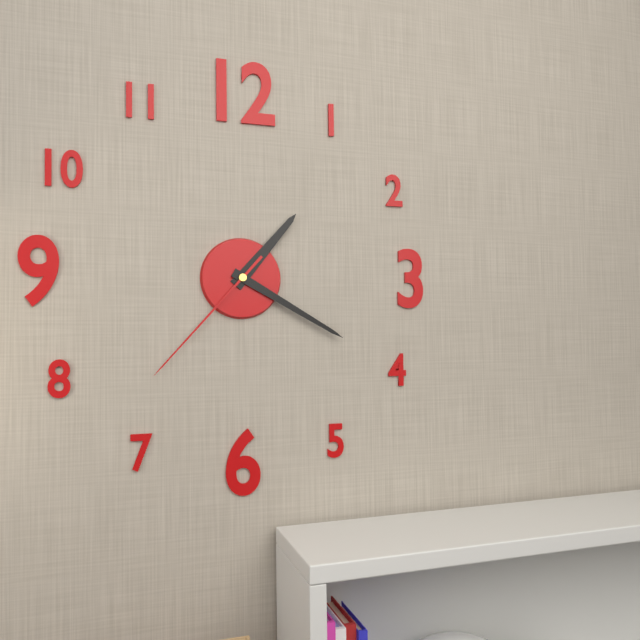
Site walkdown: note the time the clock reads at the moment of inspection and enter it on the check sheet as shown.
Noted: 1:20:37
